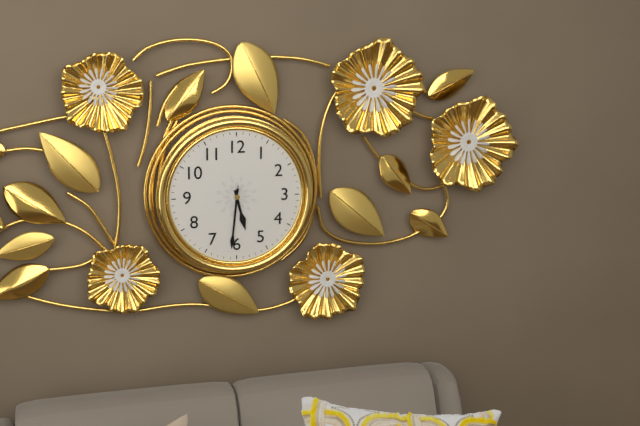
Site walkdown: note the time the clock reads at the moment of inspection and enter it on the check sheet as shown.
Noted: 5:31:31
